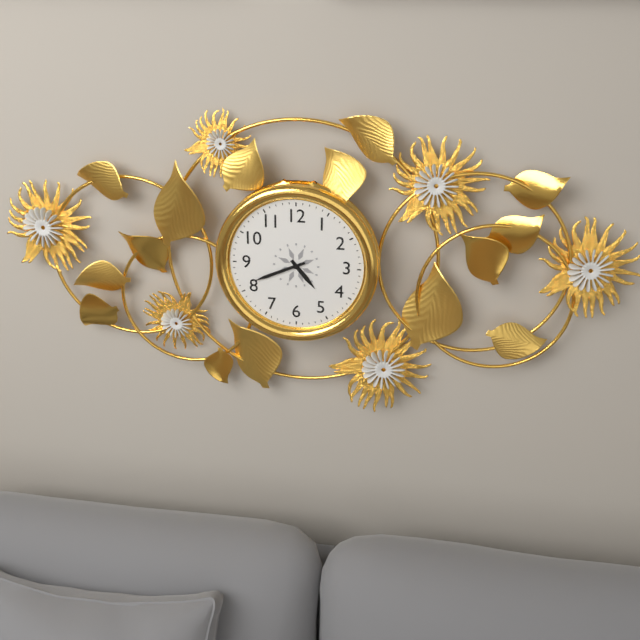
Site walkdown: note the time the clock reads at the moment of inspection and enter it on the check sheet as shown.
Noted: 4:41
